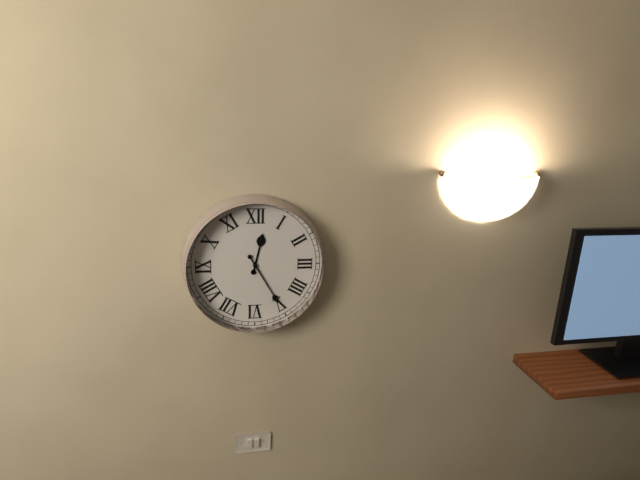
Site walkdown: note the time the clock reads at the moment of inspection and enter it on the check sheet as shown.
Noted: 12:25
